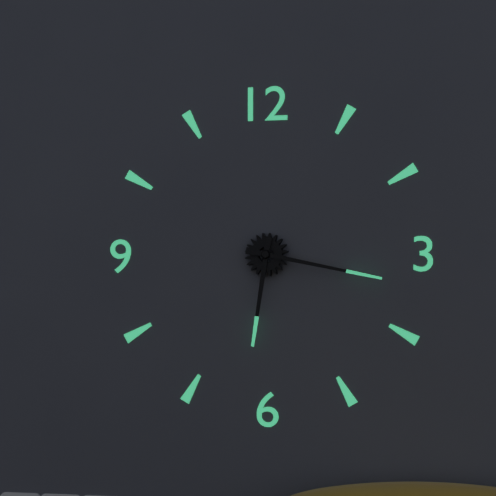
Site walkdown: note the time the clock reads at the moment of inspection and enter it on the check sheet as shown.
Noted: 6:17
